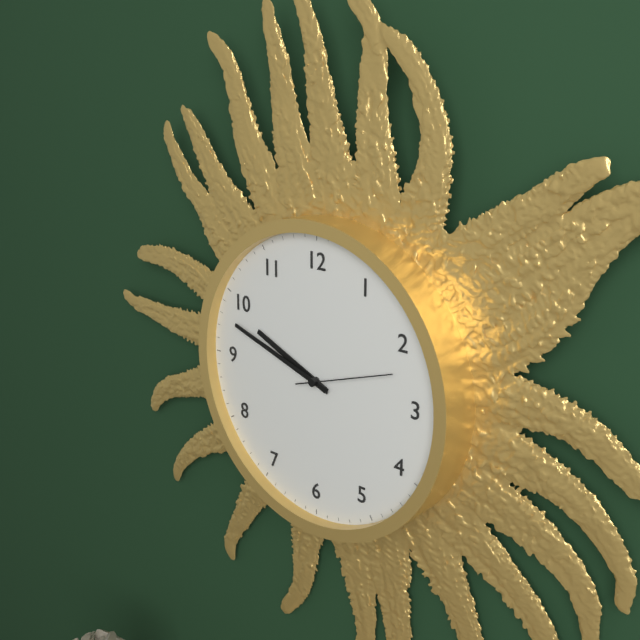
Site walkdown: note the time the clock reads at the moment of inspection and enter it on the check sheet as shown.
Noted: 9:48:12
